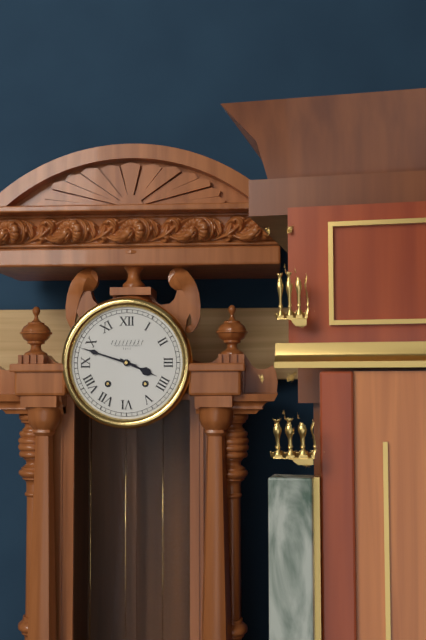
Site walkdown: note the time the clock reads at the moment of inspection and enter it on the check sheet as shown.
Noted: 3:48
